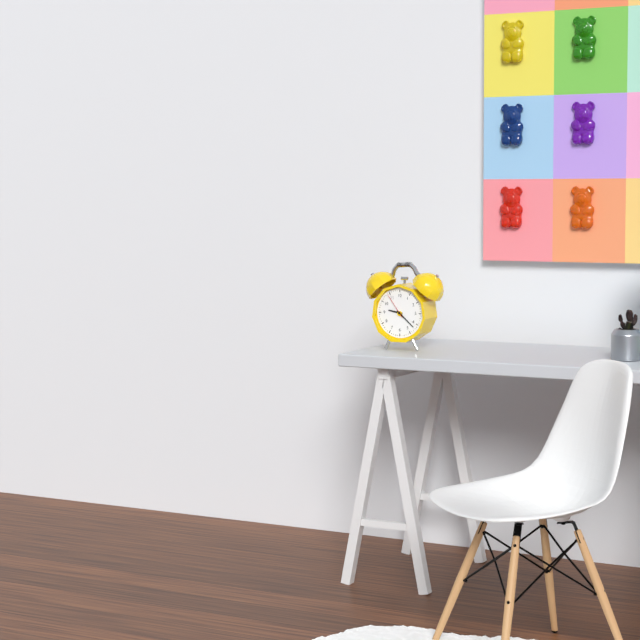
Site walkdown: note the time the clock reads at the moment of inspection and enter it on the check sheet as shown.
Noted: 9:22
